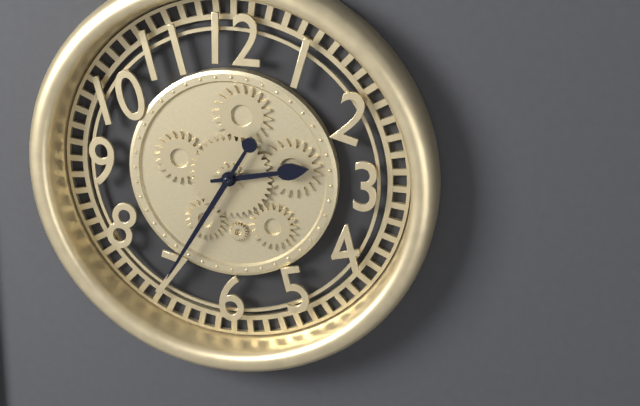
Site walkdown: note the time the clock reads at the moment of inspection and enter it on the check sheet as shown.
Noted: 2:35
